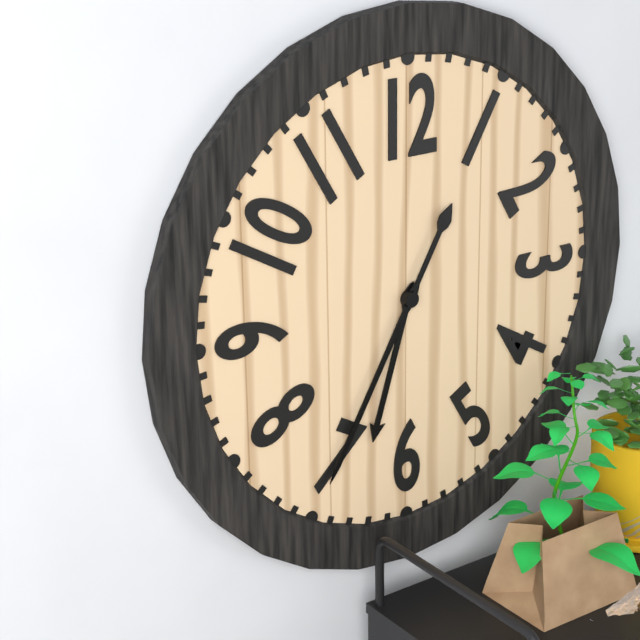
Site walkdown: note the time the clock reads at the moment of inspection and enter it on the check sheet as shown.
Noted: 6:35
